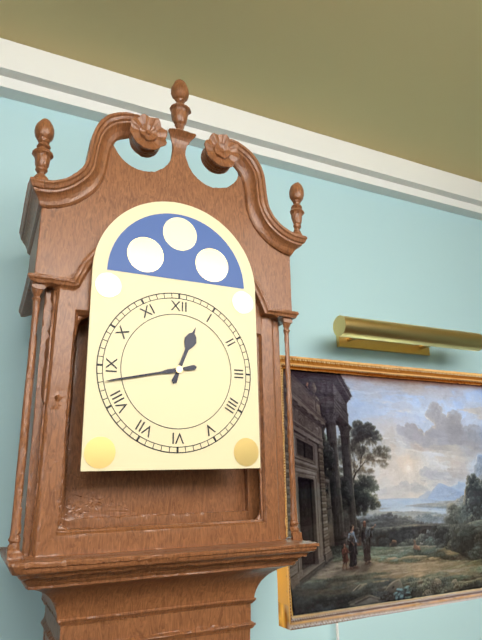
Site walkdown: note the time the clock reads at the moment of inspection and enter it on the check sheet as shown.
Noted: 12:43
